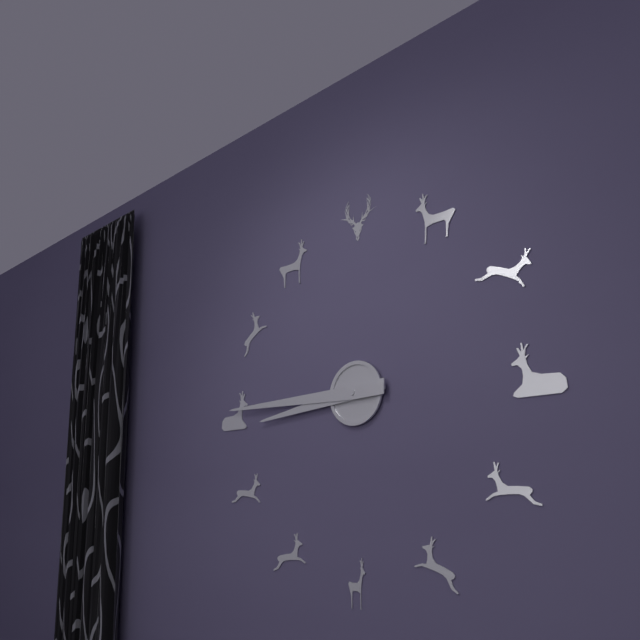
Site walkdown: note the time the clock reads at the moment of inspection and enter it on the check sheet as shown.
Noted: 8:45
